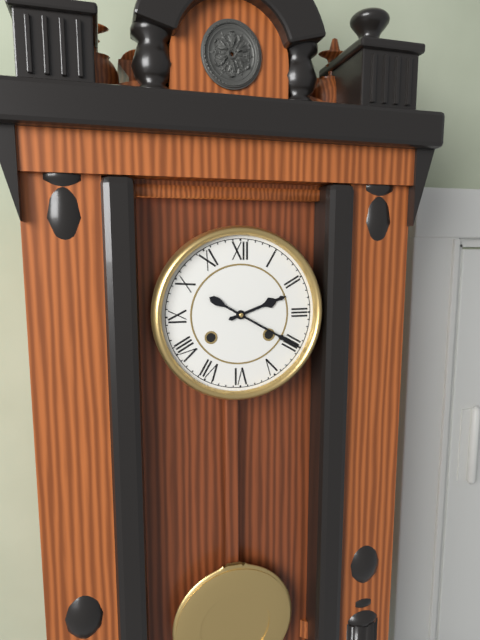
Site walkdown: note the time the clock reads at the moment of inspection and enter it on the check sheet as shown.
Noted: 2:20
